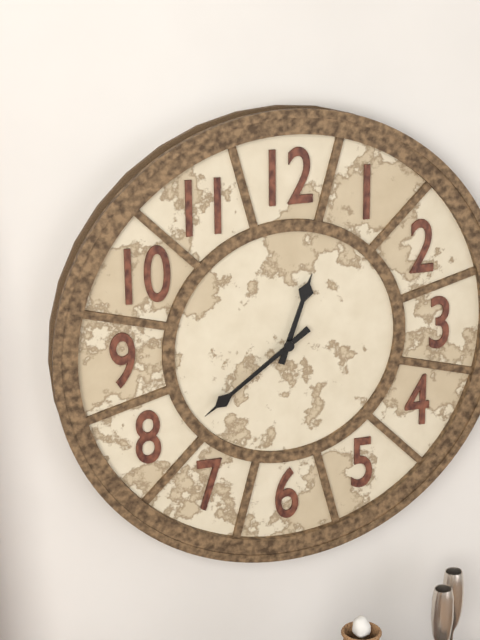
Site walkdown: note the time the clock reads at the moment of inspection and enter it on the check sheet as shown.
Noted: 12:39
